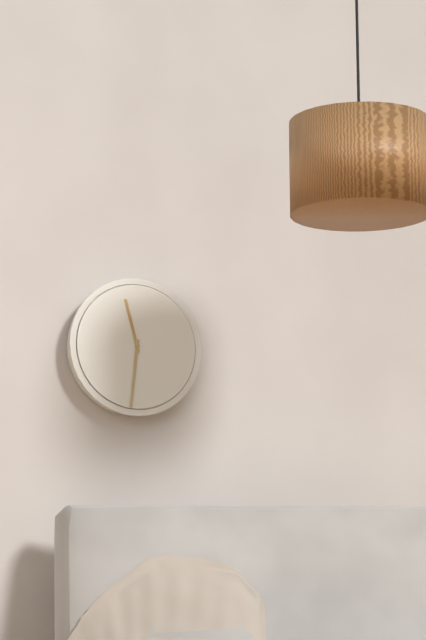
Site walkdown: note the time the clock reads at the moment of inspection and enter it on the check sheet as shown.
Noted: 11:31
